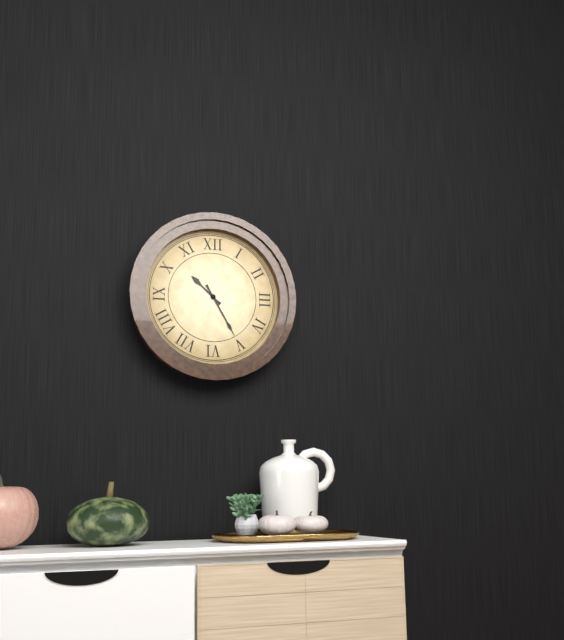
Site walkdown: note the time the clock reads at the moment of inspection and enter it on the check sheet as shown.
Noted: 10:25
